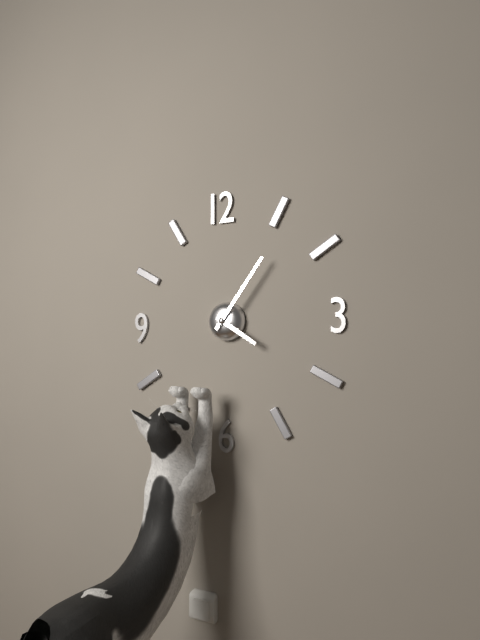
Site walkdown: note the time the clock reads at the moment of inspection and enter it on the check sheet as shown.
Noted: 4:06
